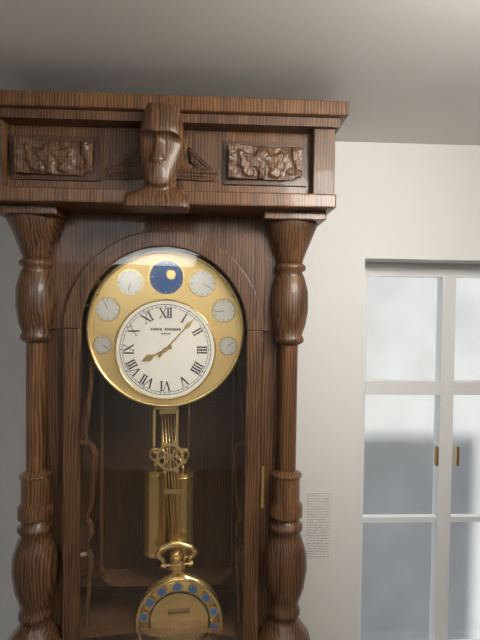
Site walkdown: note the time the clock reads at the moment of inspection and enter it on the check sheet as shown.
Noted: 8:07
